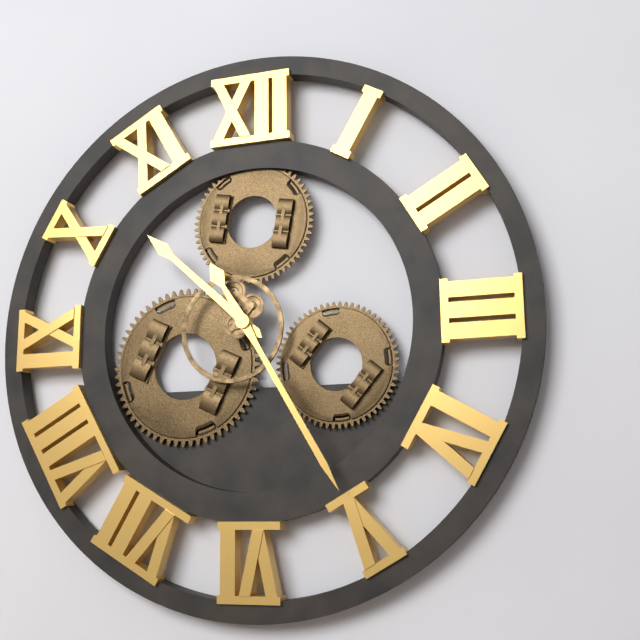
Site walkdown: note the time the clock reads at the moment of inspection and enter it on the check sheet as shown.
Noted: 10:25
